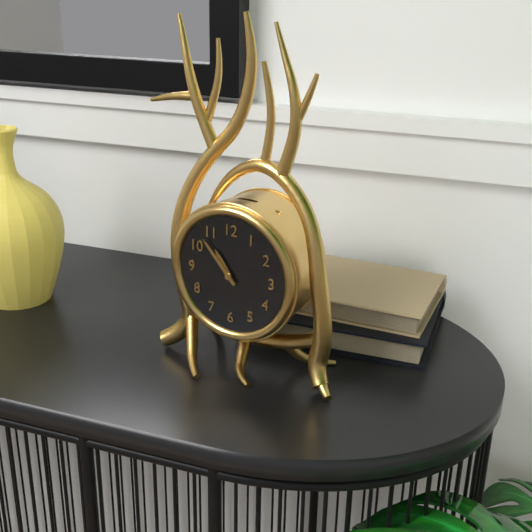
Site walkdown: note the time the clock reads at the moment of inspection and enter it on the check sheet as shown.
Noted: 10:53
